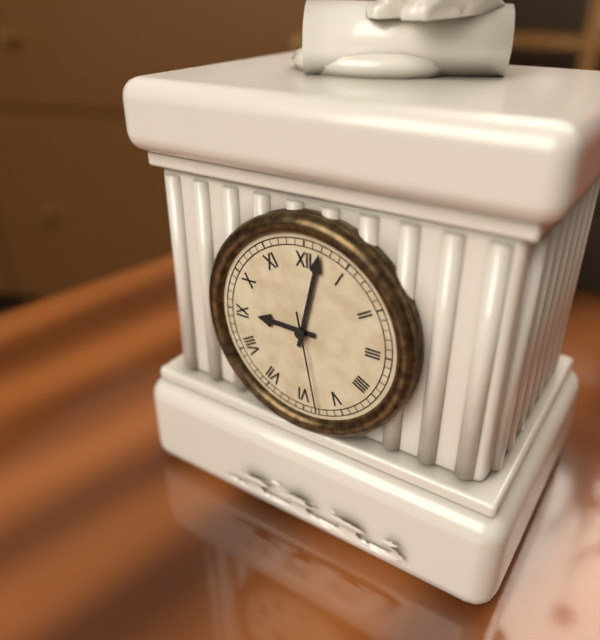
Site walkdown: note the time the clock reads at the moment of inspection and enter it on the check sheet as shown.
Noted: 9:02:28
